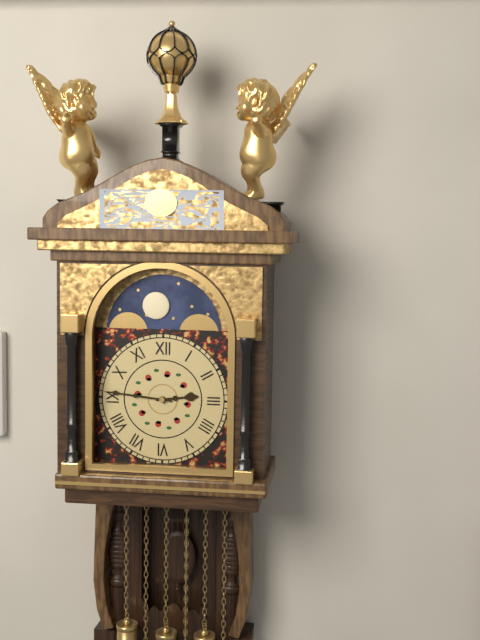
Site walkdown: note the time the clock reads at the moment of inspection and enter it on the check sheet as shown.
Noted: 2:46
